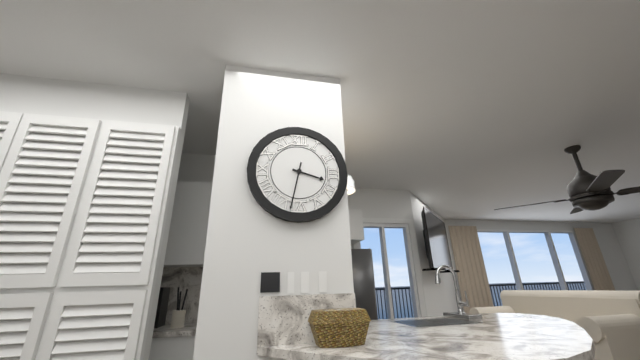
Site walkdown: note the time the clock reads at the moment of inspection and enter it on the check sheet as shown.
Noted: 3:32
